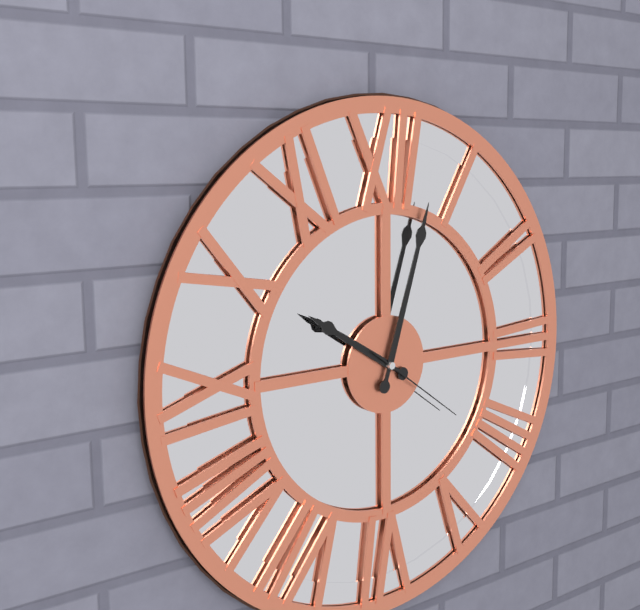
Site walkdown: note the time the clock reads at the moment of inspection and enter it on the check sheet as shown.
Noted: 10:03:21
